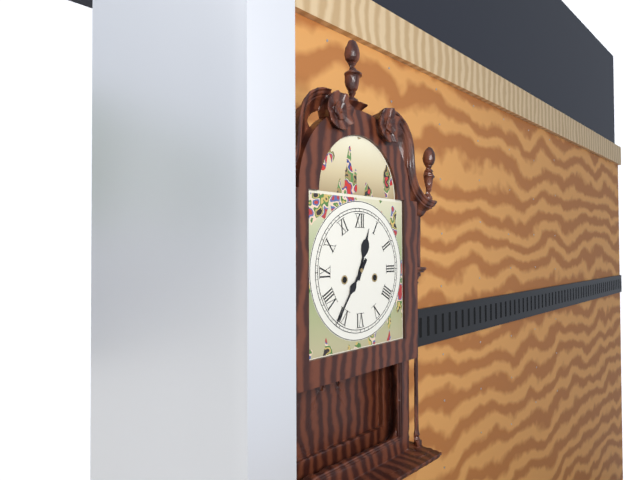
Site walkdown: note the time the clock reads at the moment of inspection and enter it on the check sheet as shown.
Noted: 12:36
